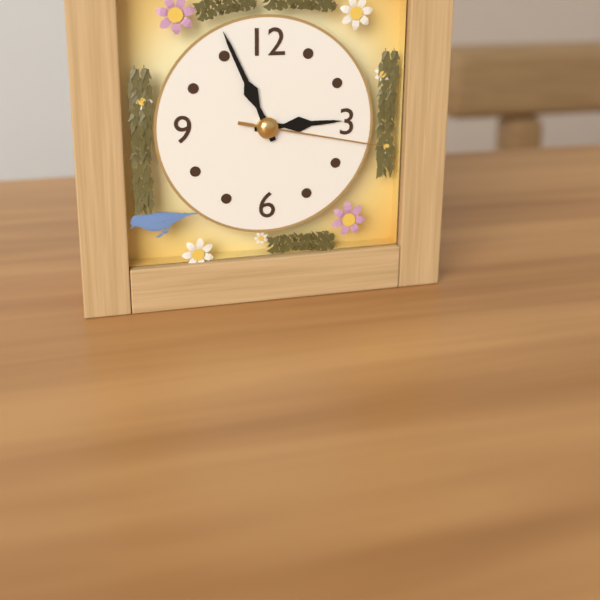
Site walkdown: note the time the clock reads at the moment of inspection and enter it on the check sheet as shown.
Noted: 2:56:17
